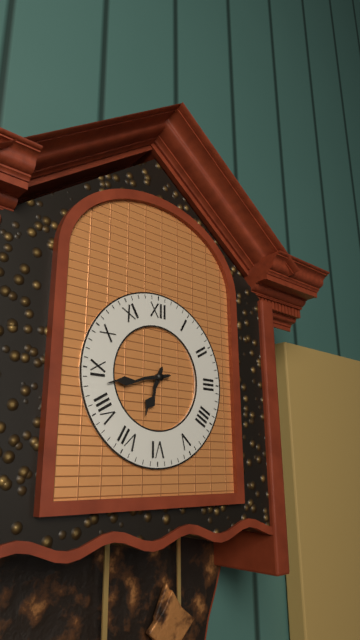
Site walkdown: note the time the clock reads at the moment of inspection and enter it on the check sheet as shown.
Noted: 6:43
